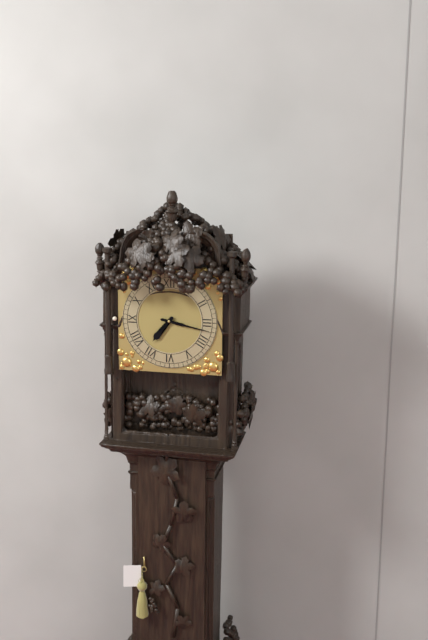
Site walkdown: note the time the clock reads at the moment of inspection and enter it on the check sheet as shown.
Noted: 7:17
